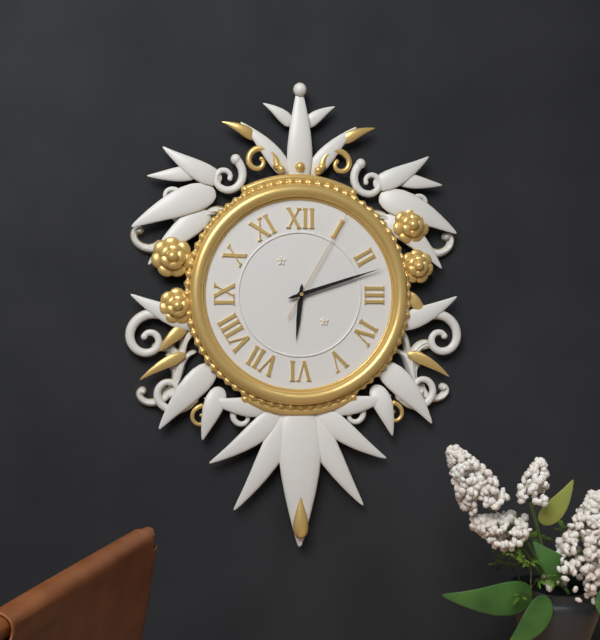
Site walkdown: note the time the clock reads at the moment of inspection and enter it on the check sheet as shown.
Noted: 6:12:05
